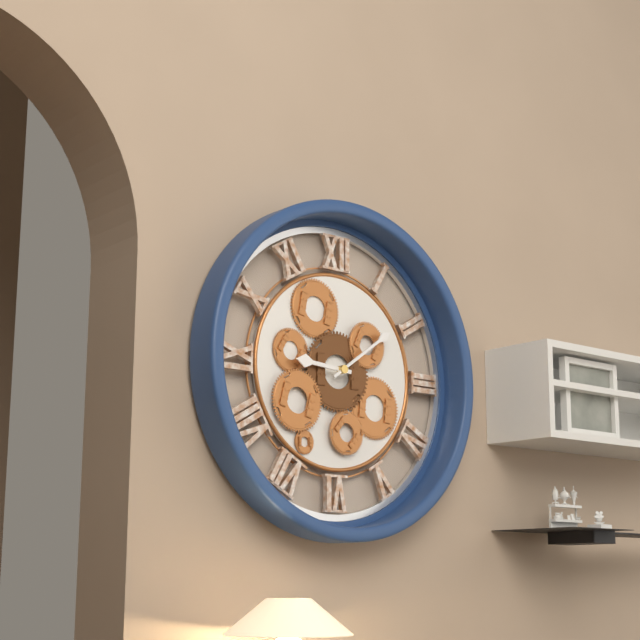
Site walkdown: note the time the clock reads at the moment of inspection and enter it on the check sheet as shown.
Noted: 9:09
